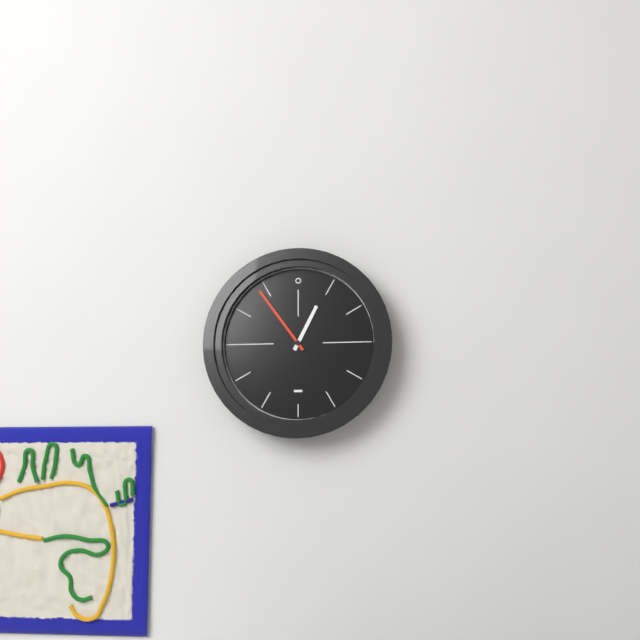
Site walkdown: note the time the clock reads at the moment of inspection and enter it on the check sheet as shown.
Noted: 12:54
